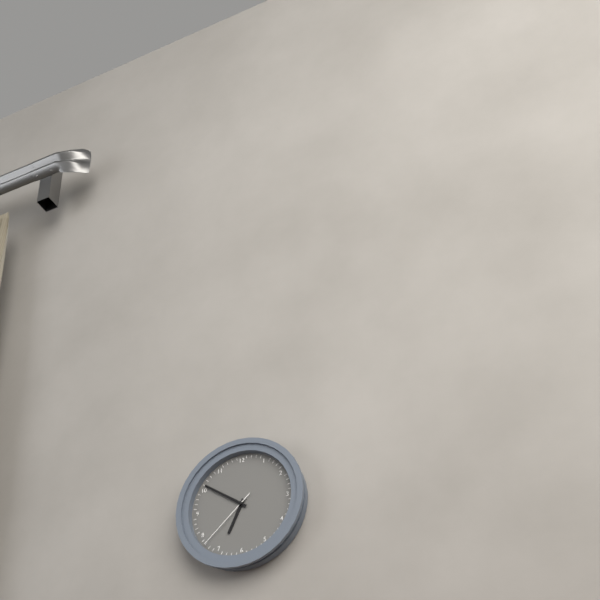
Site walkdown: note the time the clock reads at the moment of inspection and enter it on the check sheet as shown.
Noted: 6:51:38
